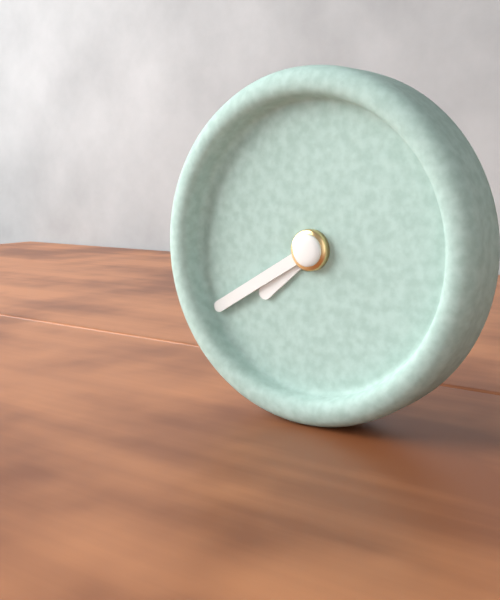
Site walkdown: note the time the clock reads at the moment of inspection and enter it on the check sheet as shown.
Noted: 7:40
